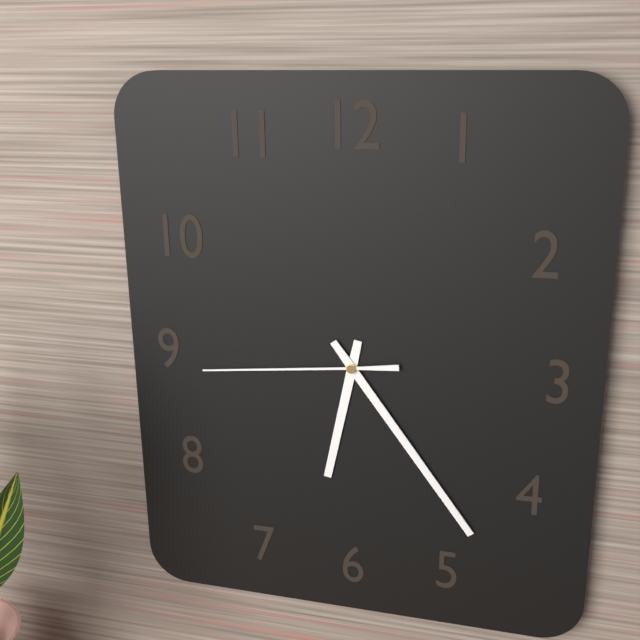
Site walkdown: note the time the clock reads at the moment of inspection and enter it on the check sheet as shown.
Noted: 6:24:44
